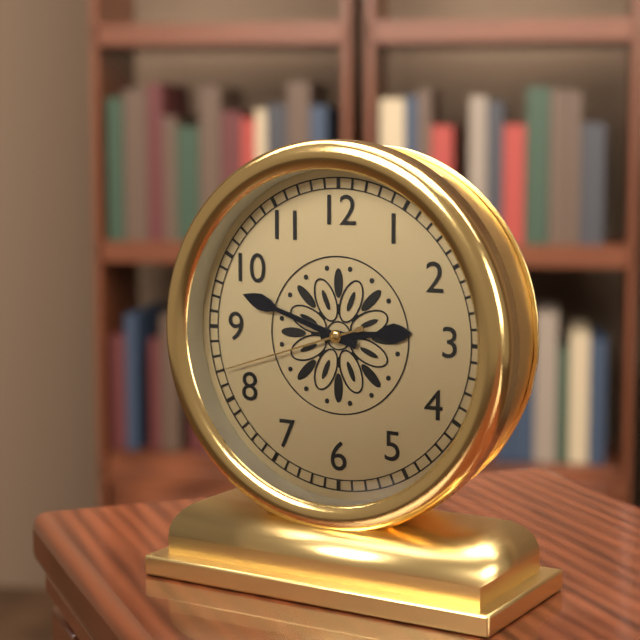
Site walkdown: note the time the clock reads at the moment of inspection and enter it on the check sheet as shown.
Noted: 2:48:42
